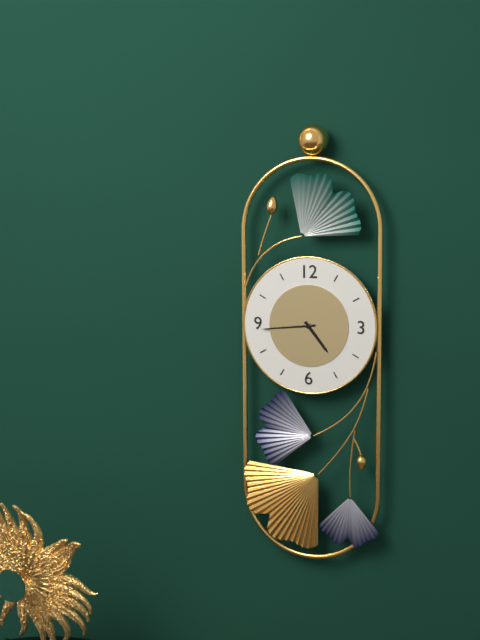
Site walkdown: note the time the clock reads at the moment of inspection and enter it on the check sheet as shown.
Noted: 4:44
